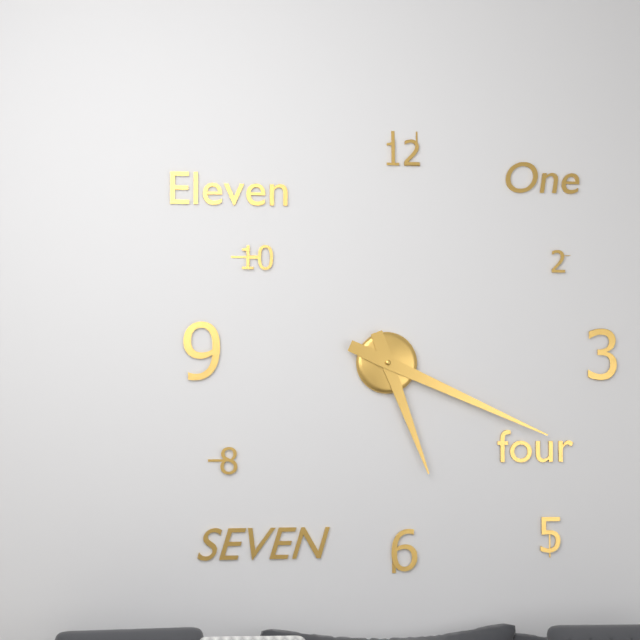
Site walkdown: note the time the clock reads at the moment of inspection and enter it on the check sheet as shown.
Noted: 5:19
